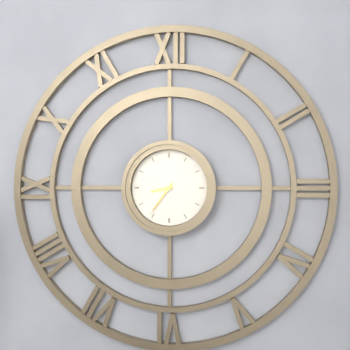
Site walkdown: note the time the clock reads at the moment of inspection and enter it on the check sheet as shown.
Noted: 8:36
